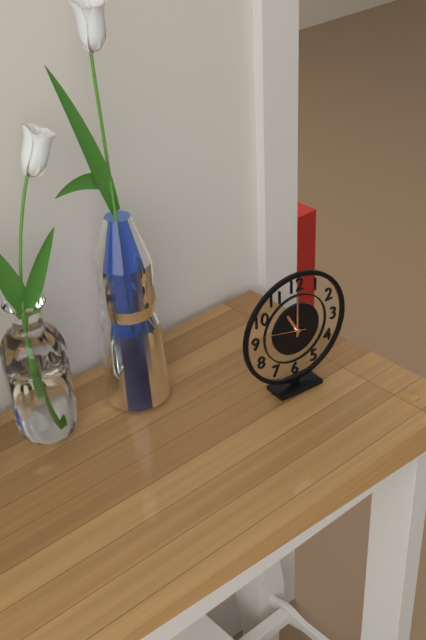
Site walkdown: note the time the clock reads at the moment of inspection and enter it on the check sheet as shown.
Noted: 11:00
